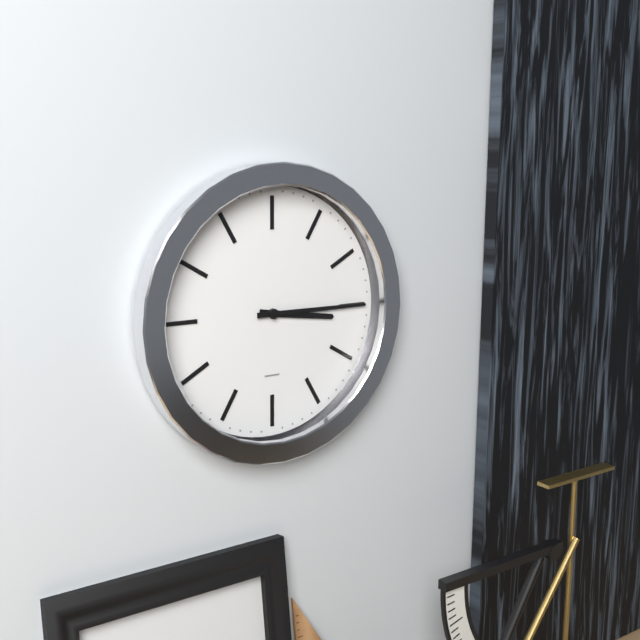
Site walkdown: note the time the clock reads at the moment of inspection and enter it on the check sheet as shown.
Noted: 3:15
